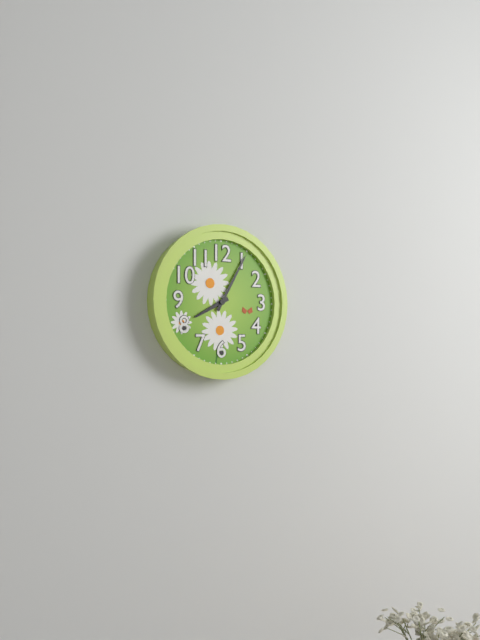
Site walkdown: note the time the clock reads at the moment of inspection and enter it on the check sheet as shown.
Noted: 8:05
